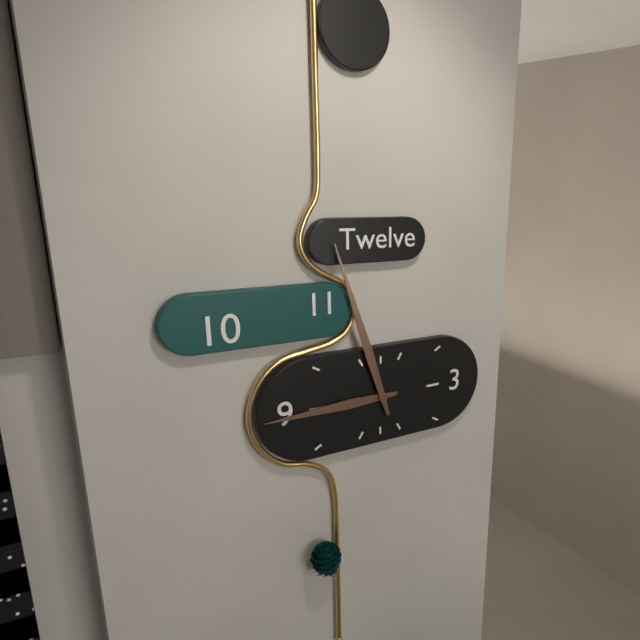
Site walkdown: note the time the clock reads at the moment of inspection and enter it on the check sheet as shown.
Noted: 8:57
